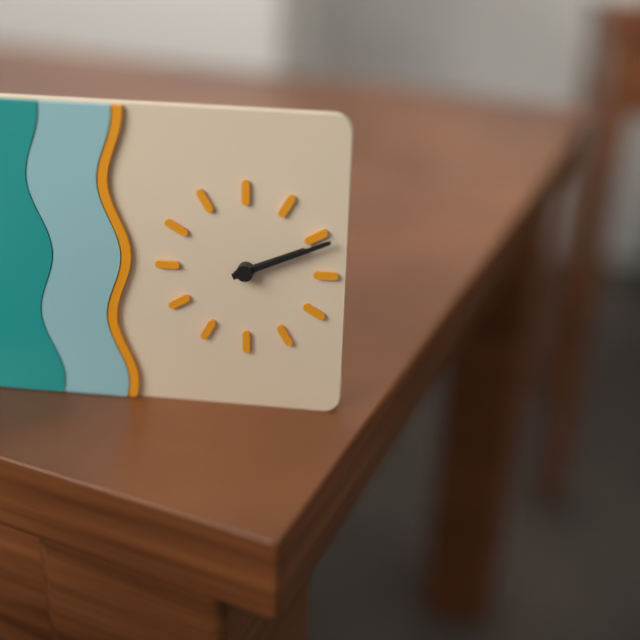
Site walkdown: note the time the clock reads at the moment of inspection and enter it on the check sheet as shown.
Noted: 2:11
